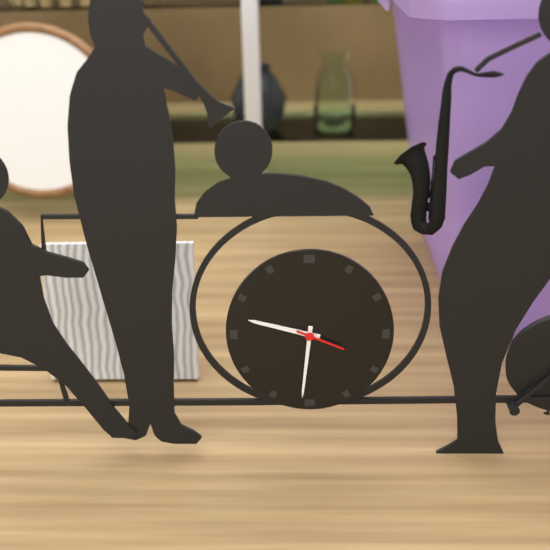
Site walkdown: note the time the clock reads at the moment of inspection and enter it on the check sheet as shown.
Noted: 9:31:19
